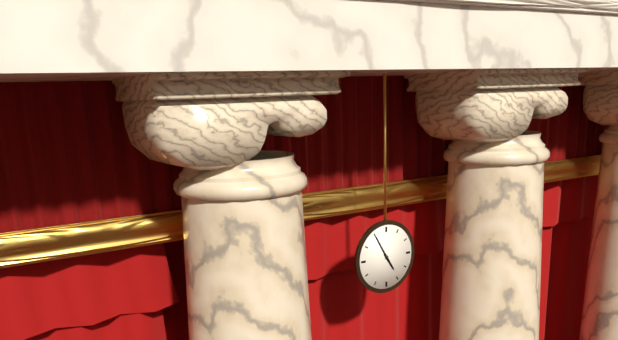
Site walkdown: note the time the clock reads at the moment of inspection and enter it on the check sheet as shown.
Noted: 4:55
